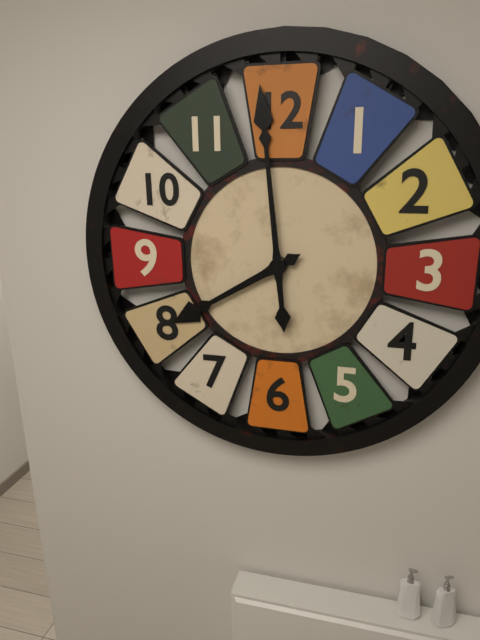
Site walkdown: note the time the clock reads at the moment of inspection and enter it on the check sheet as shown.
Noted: 7:59
